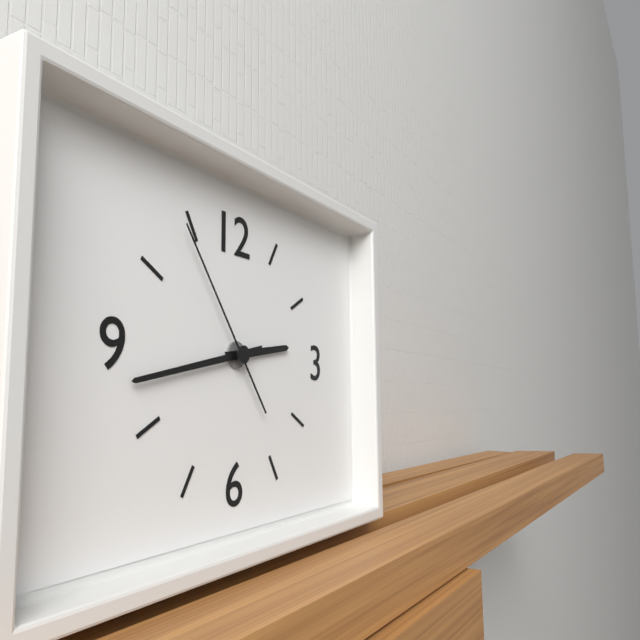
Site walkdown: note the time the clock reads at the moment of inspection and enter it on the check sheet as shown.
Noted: 2:43:54
